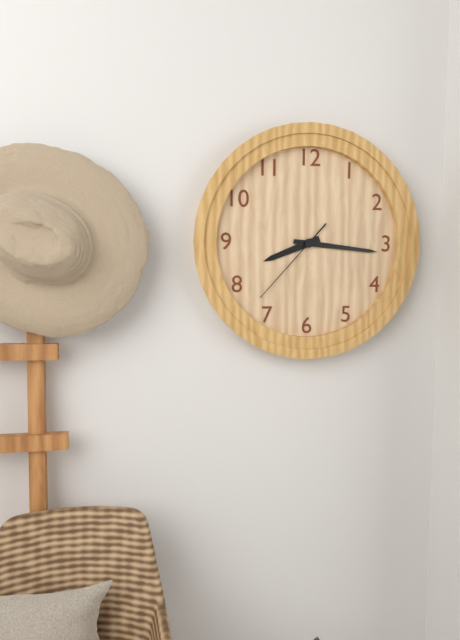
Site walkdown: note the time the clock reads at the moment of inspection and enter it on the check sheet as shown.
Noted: 8:16:37
